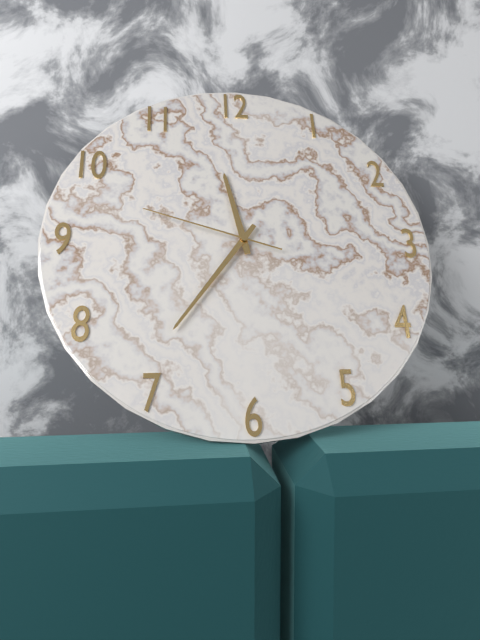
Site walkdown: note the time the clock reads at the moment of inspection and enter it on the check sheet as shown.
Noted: 11:36:48
